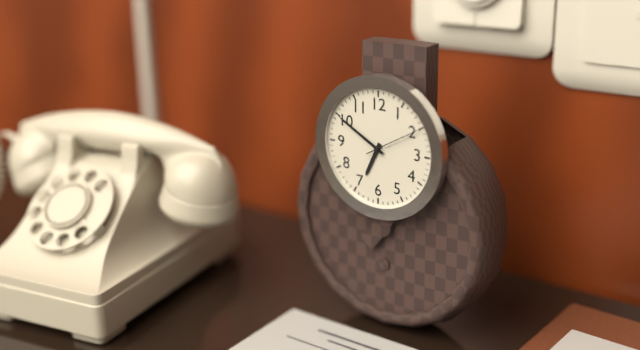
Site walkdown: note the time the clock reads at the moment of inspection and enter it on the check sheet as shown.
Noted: 6:50:10
